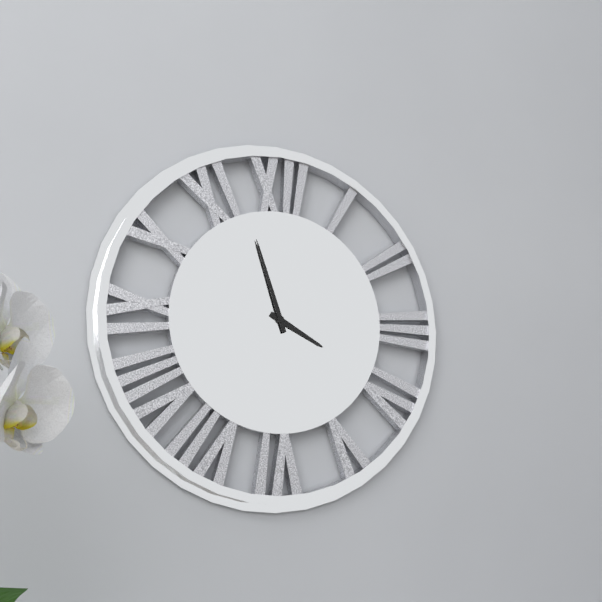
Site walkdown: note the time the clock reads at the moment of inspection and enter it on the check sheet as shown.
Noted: 3:57
